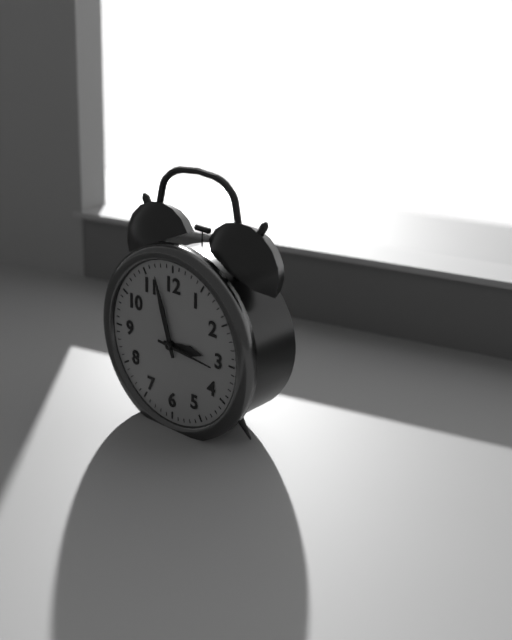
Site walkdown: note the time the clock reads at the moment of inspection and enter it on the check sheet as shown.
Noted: 2:57:16
